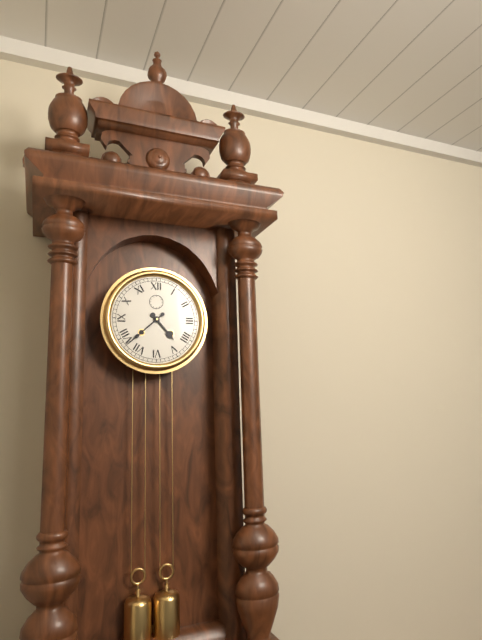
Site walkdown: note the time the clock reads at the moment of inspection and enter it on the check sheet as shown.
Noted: 4:38
